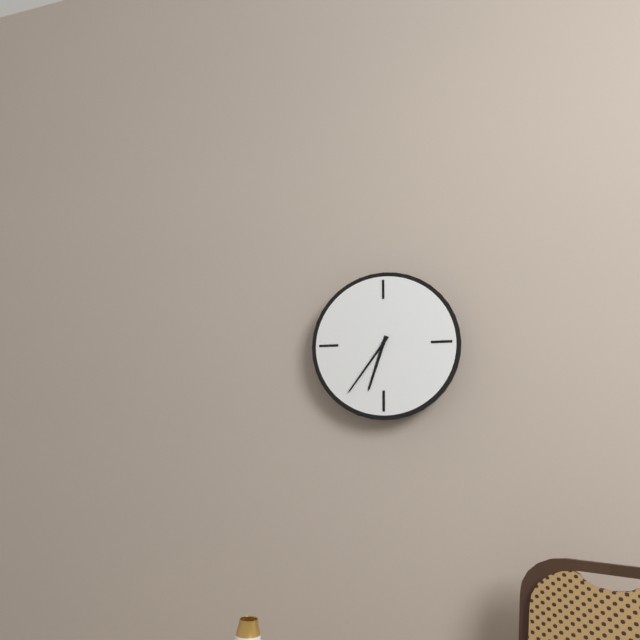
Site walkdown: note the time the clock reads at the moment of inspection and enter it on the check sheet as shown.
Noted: 6:36
